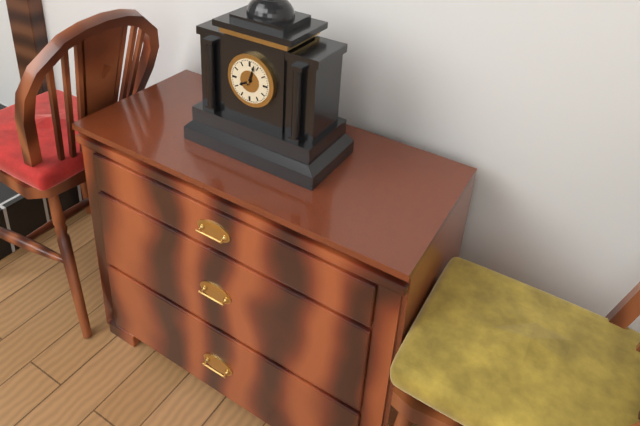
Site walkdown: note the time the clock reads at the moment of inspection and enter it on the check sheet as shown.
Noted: 8:03
